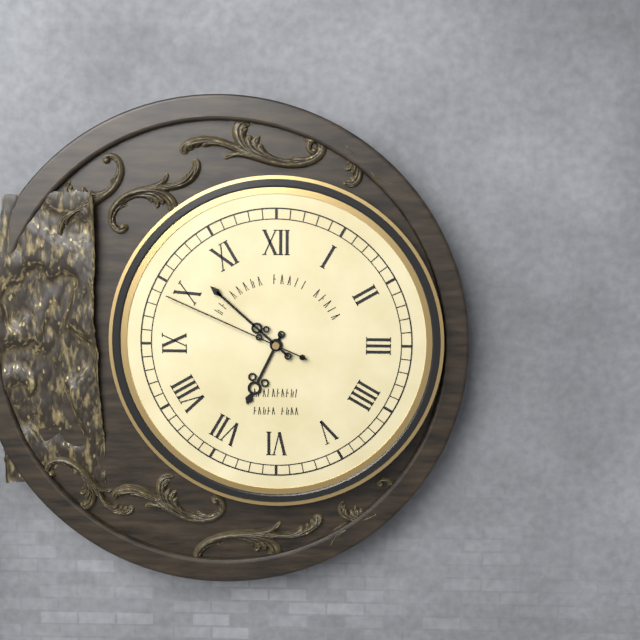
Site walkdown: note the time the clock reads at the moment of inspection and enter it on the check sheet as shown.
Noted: 6:52:49
